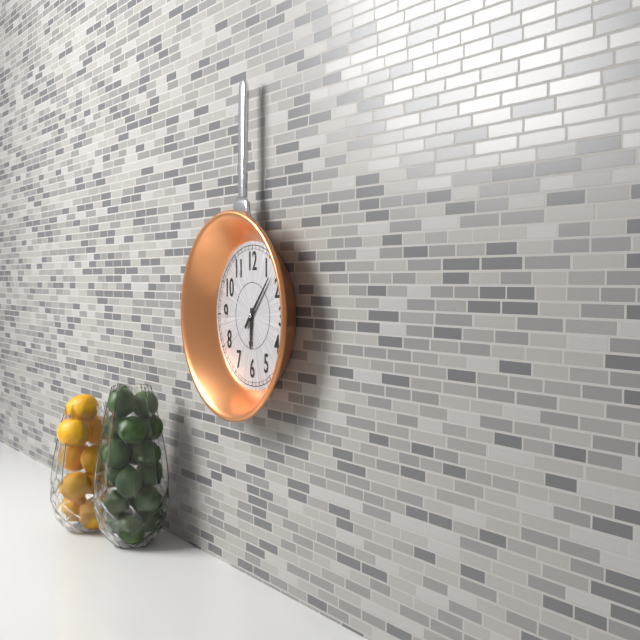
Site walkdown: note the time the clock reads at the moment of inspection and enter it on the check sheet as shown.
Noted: 6:07
